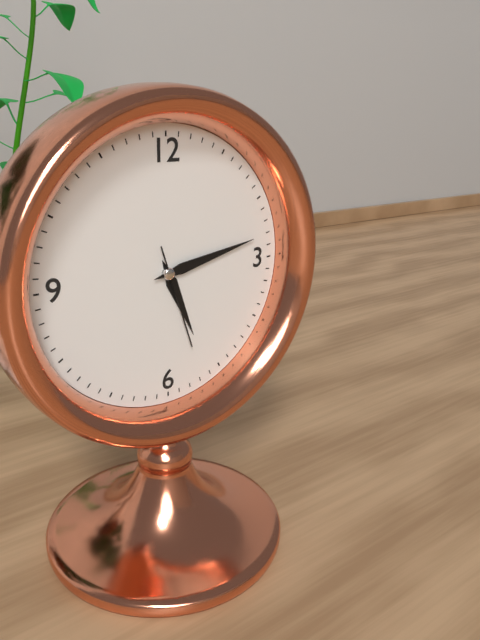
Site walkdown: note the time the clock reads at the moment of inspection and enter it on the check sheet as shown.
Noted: 5:13:27
